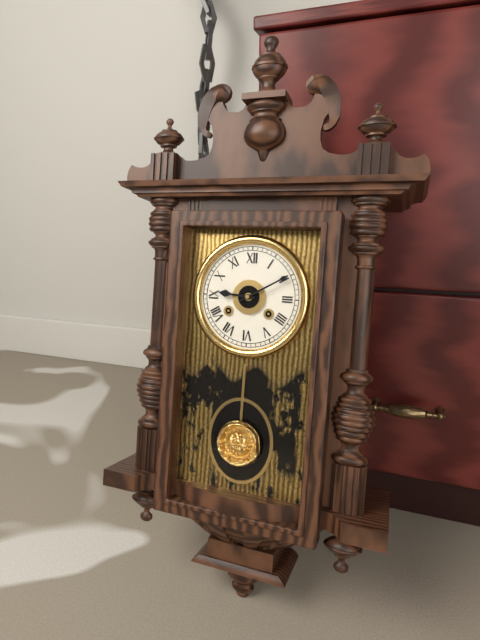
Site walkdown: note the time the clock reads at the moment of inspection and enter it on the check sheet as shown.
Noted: 9:10
